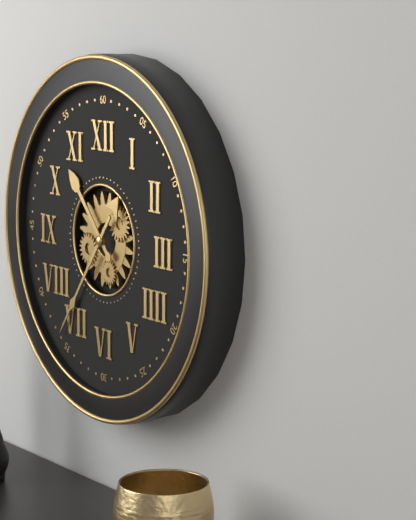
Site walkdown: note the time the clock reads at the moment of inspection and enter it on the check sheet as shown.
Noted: 10:36
